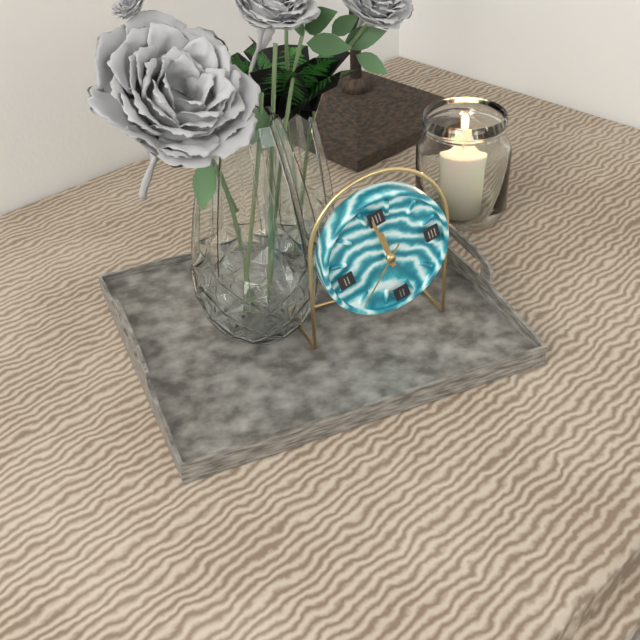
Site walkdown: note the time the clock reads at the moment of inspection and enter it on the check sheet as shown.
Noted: 11:59:38
